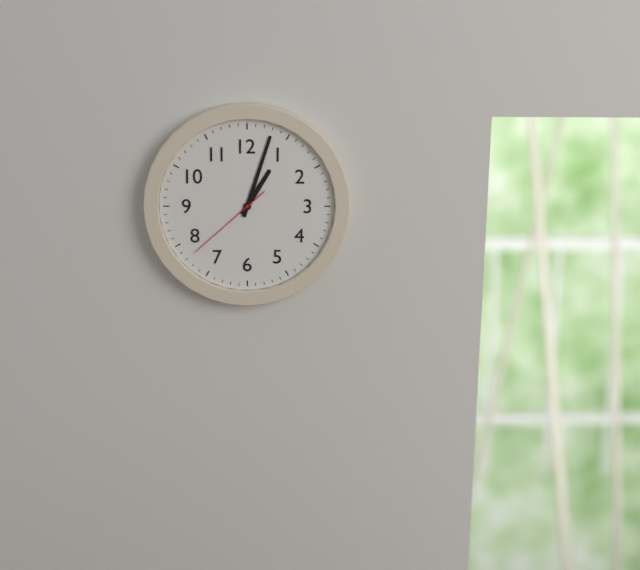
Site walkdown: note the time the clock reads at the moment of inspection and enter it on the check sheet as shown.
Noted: 1:03:38
